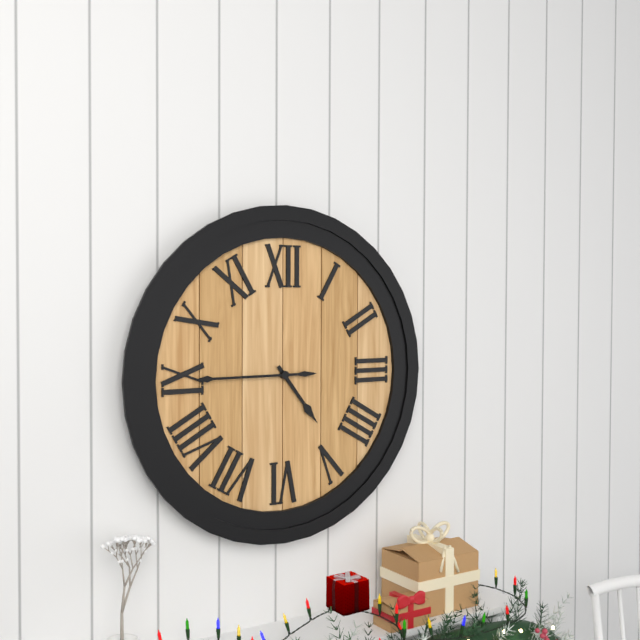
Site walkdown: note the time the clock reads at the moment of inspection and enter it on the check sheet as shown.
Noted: 4:45
